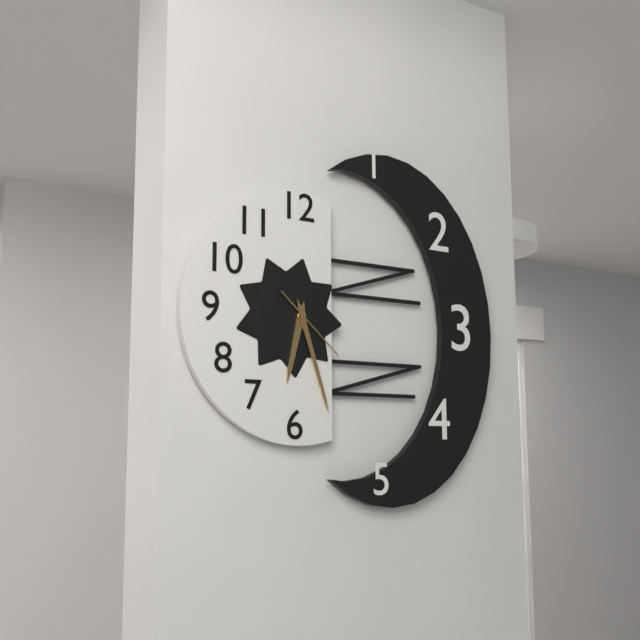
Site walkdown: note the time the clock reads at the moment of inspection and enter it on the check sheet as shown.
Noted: 6:27:22
